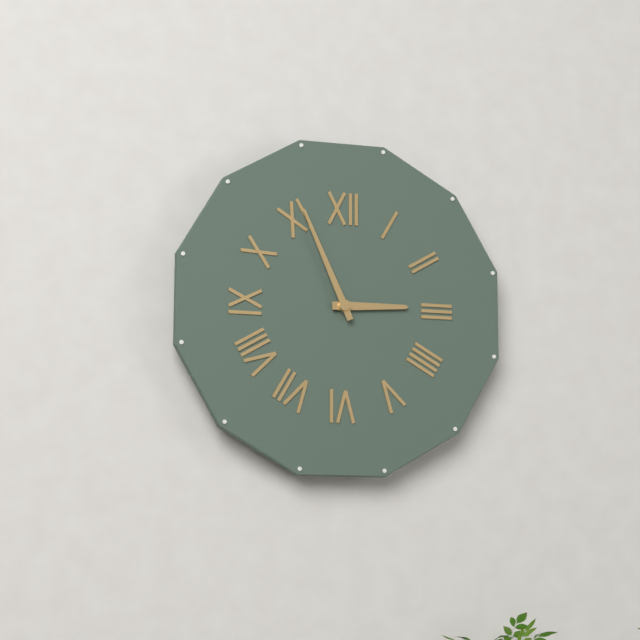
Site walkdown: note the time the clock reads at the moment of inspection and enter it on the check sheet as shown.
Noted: 2:56
